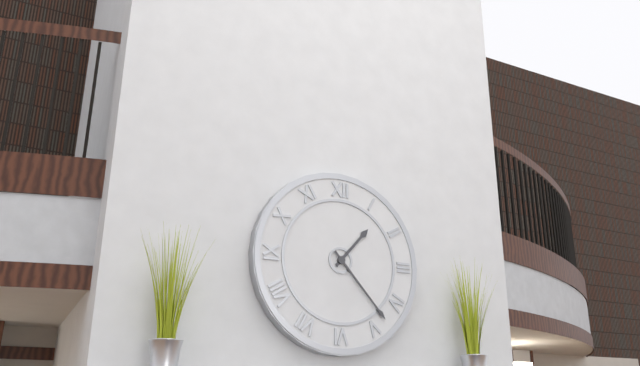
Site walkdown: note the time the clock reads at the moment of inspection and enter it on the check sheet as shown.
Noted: 1:23
